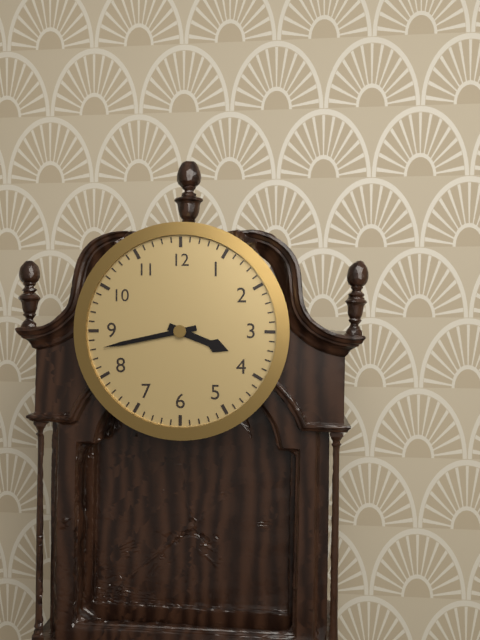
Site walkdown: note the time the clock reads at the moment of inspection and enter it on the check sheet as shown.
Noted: 3:43
